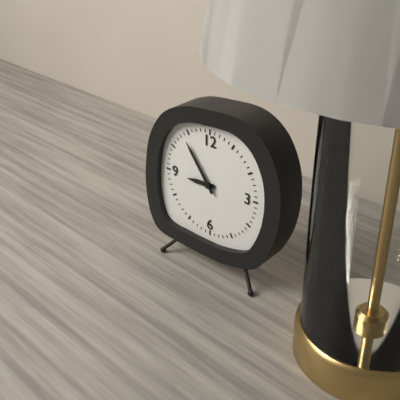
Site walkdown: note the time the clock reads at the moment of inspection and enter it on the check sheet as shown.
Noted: 8:54
